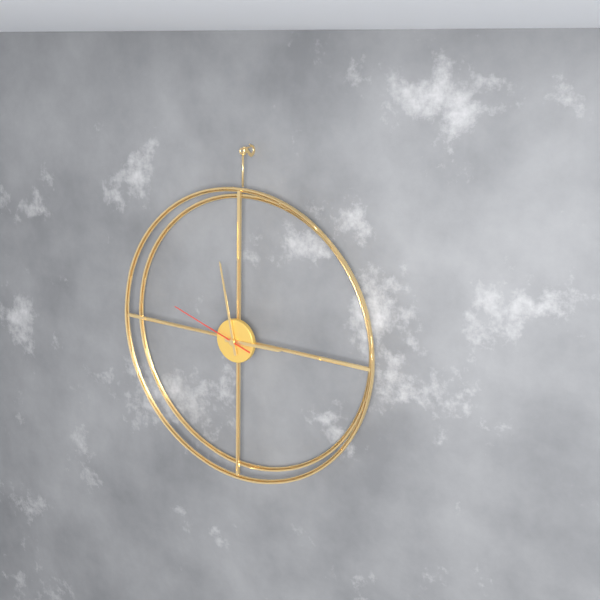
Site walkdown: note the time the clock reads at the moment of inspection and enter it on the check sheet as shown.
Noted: 2:58:48
